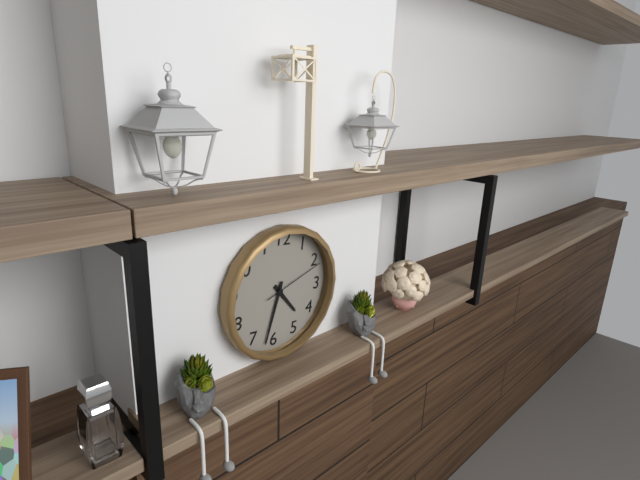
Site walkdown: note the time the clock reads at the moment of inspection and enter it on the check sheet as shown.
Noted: 4:32:11
